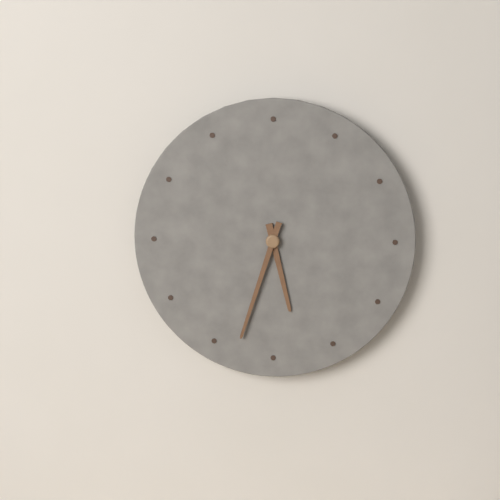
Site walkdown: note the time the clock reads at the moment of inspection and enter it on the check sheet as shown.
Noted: 5:33
